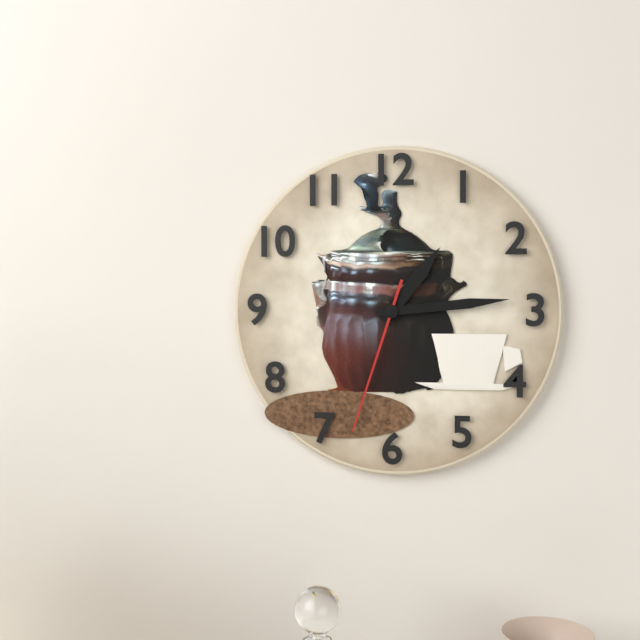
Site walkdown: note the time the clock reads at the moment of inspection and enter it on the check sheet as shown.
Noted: 1:14:33
